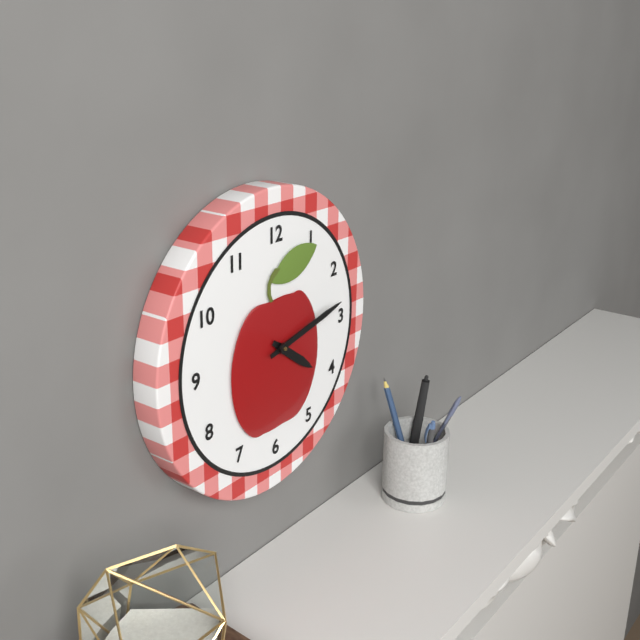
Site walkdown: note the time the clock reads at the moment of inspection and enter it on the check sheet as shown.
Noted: 4:13
